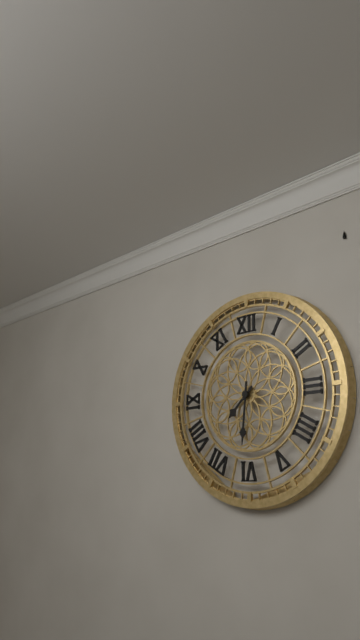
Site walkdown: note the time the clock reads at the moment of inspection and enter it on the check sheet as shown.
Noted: 7:31
